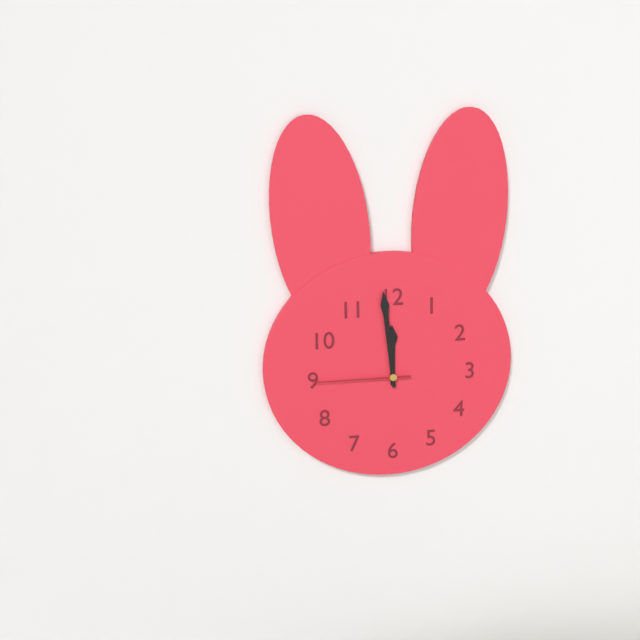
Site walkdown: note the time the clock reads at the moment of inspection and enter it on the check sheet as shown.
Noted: 11:59:45
